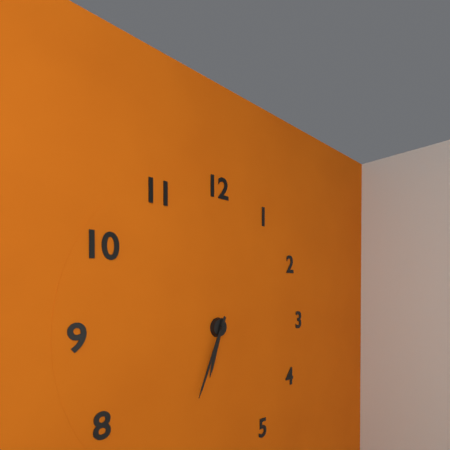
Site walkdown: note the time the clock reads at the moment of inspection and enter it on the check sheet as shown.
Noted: 6:34
